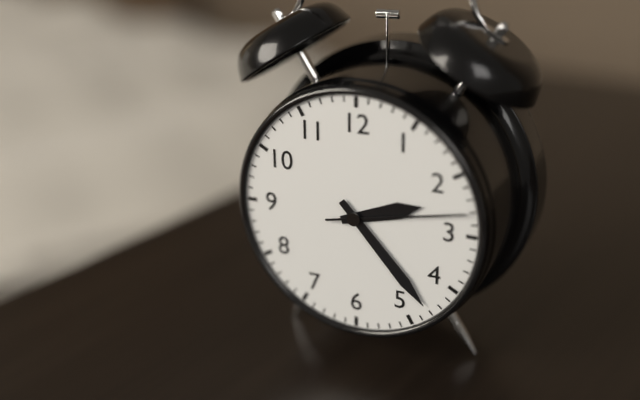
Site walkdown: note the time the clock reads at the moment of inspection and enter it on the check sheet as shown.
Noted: 2:23:13
